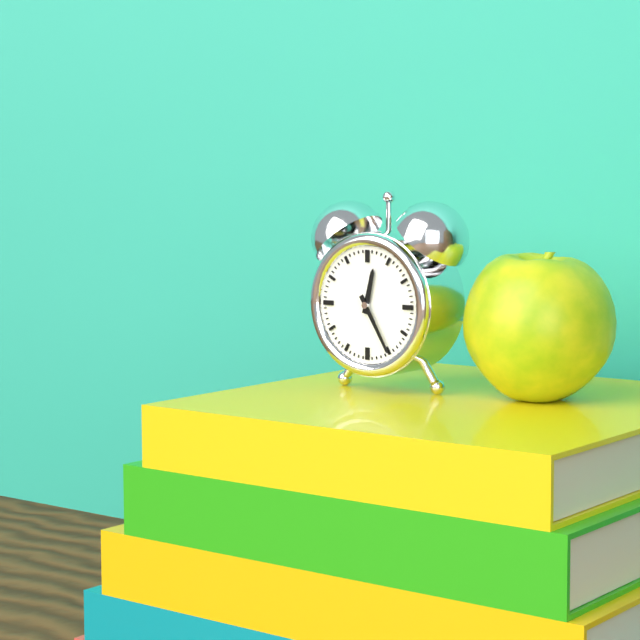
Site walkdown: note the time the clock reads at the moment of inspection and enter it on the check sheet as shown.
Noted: 12:25
